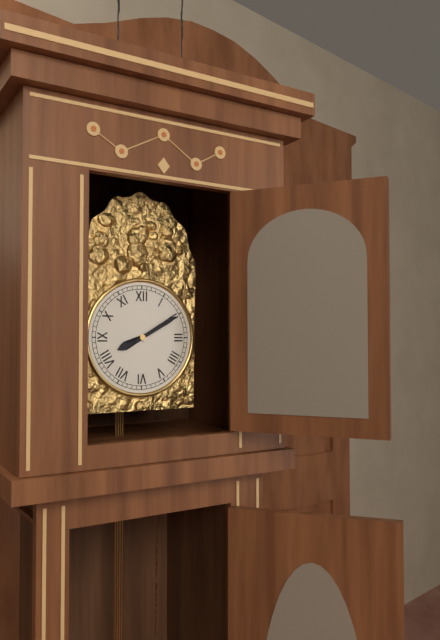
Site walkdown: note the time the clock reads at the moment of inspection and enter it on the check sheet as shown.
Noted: 8:10
